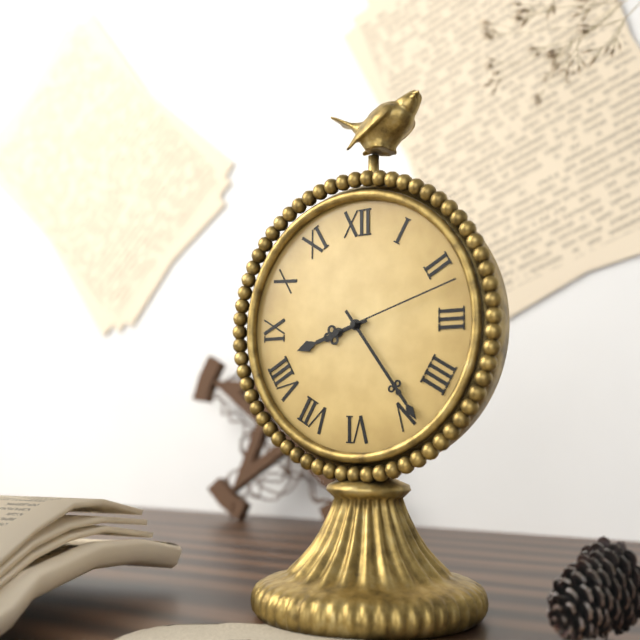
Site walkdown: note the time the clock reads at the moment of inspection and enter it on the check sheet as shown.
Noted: 8:24:12
